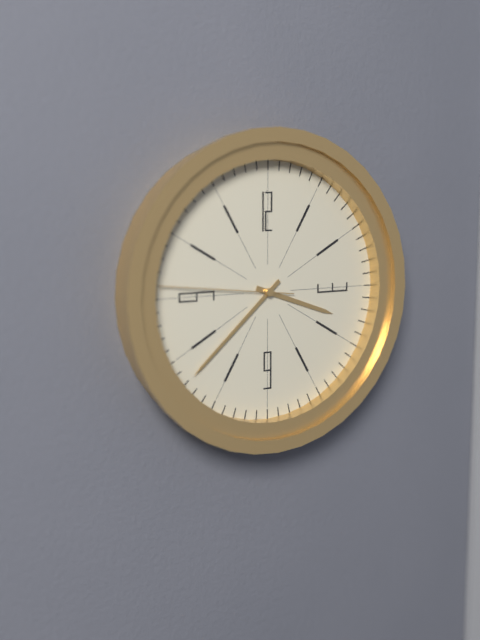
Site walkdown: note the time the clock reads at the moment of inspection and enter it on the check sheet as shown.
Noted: 3:38:46
